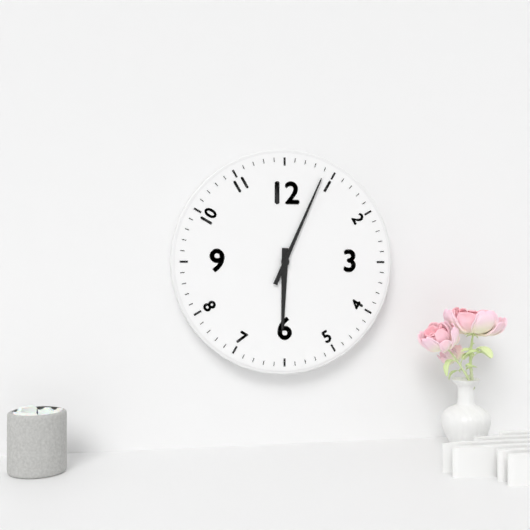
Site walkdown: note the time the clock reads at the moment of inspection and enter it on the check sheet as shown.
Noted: 6:04
